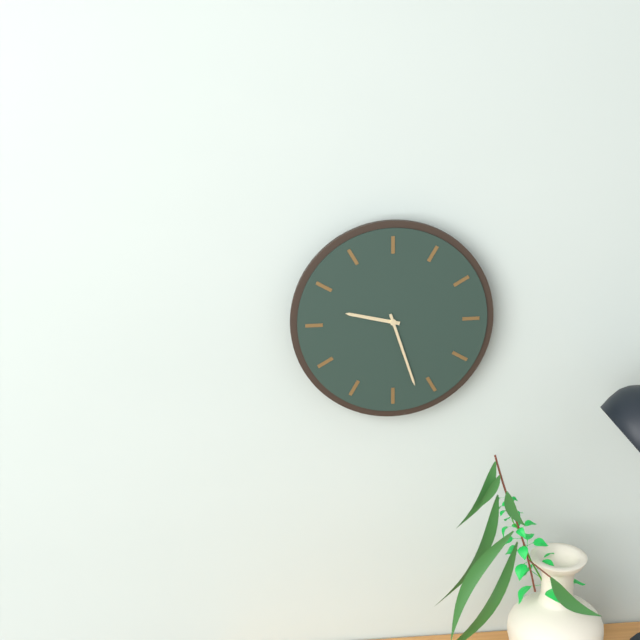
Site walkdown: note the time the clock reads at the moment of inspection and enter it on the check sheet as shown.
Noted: 9:27
